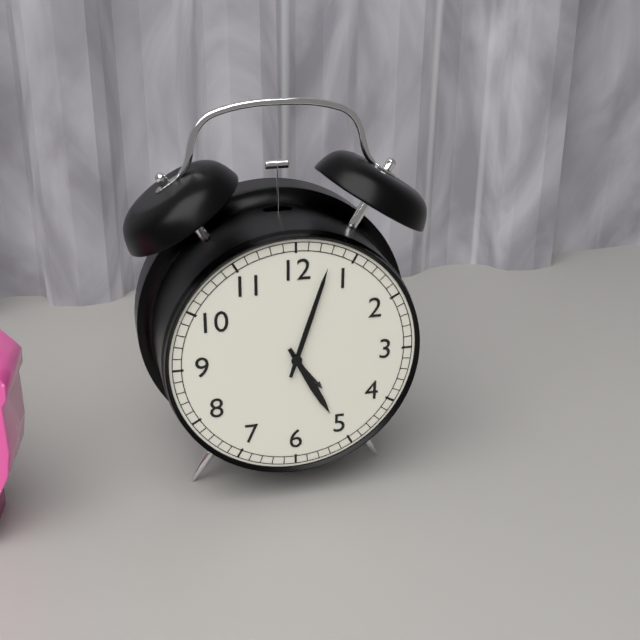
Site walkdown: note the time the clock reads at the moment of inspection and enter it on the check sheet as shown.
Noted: 5:03
